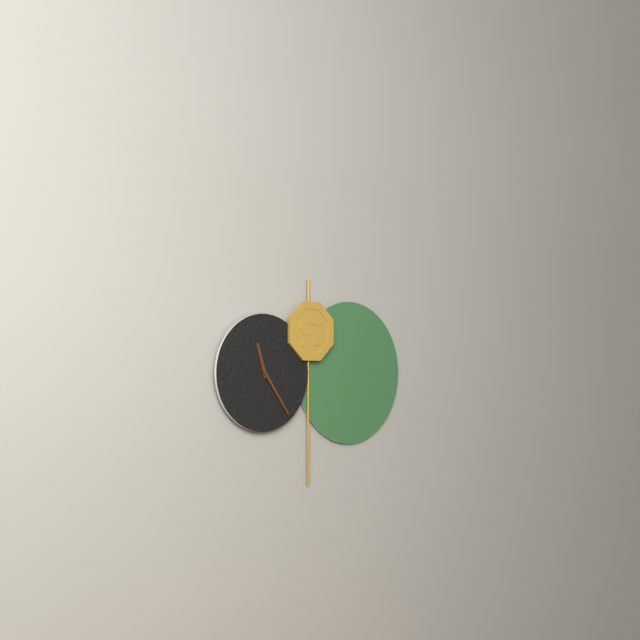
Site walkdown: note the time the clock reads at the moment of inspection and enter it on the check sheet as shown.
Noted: 11:24
